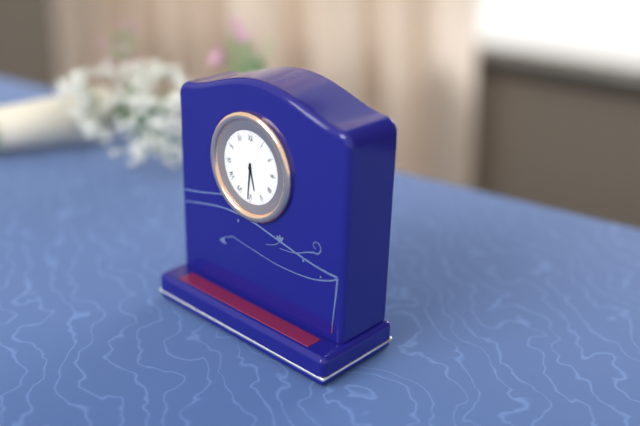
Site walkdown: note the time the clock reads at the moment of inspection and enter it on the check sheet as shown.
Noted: 5:31
